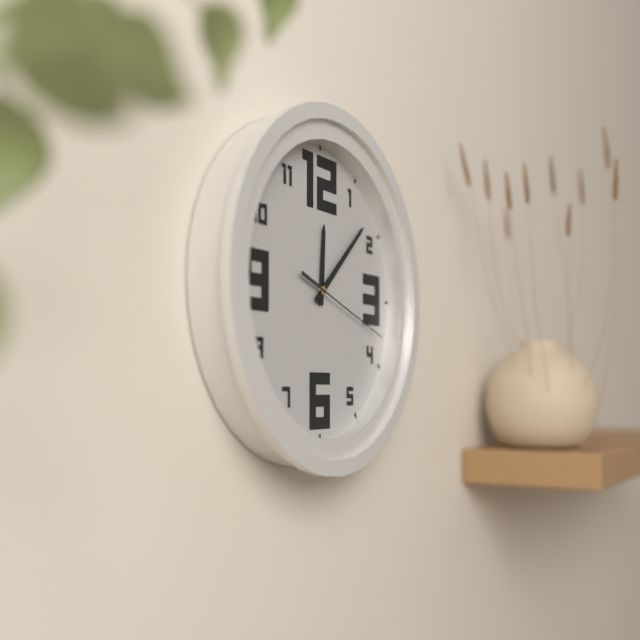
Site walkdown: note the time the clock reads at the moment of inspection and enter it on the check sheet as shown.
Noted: 12:08:18
